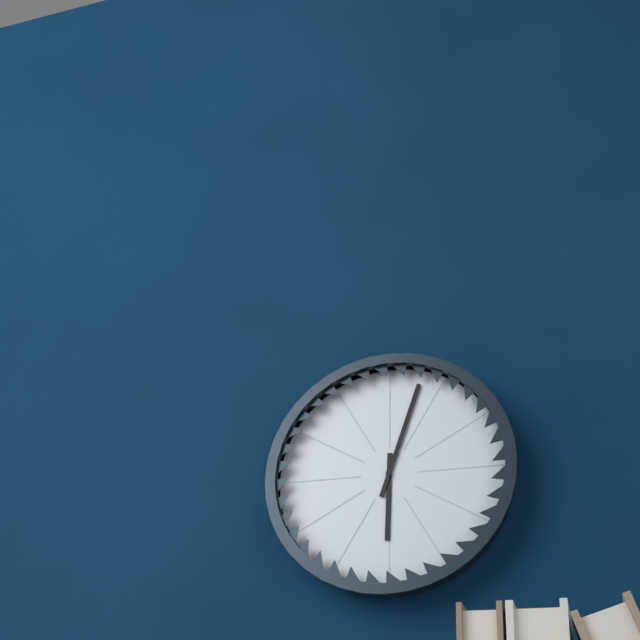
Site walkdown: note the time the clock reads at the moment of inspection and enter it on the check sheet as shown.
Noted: 6:03
